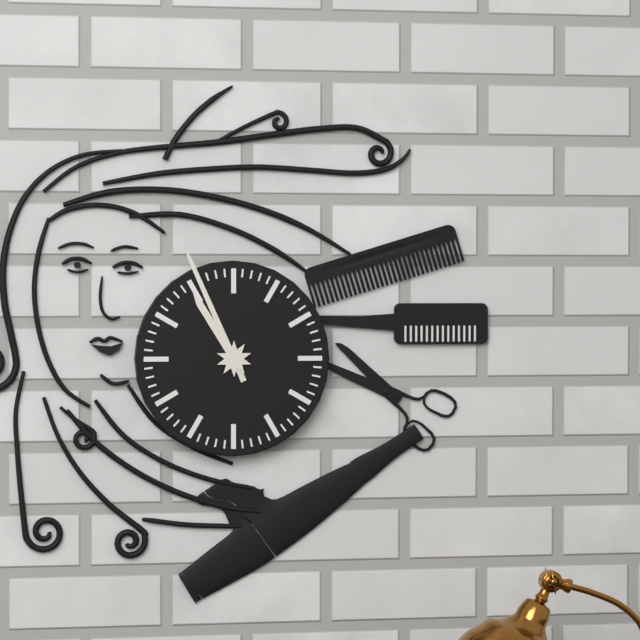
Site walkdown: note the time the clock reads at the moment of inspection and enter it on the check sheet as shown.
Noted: 10:56
